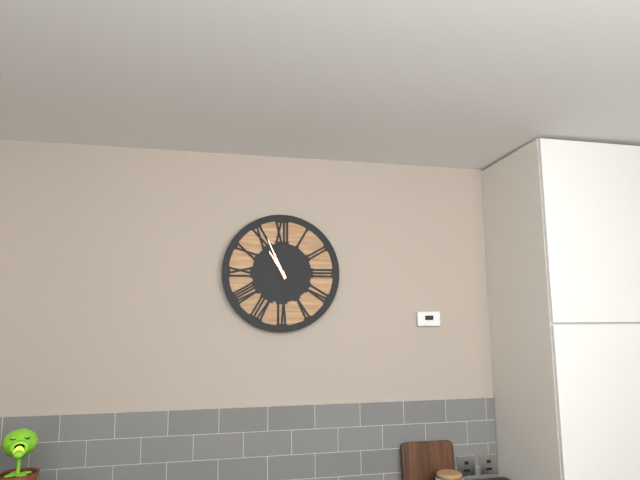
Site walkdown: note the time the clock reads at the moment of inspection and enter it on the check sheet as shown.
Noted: 10:56
